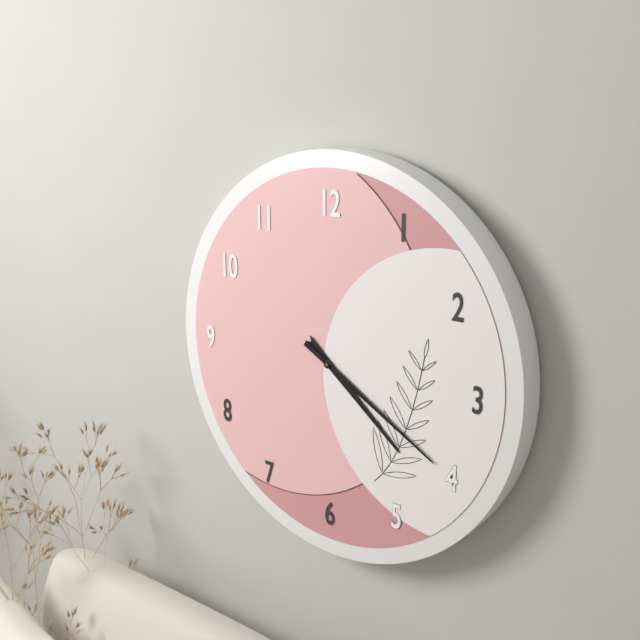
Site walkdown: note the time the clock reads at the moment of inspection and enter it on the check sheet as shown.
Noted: 4:20
